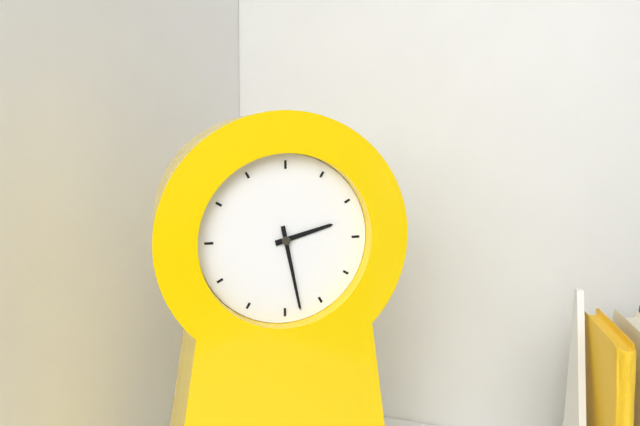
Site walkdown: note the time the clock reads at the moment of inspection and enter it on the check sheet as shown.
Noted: 2:28
